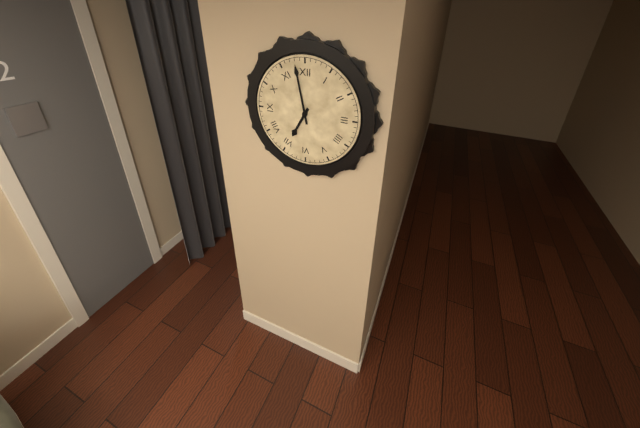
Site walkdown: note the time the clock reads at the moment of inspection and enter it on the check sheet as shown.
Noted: 6:58
